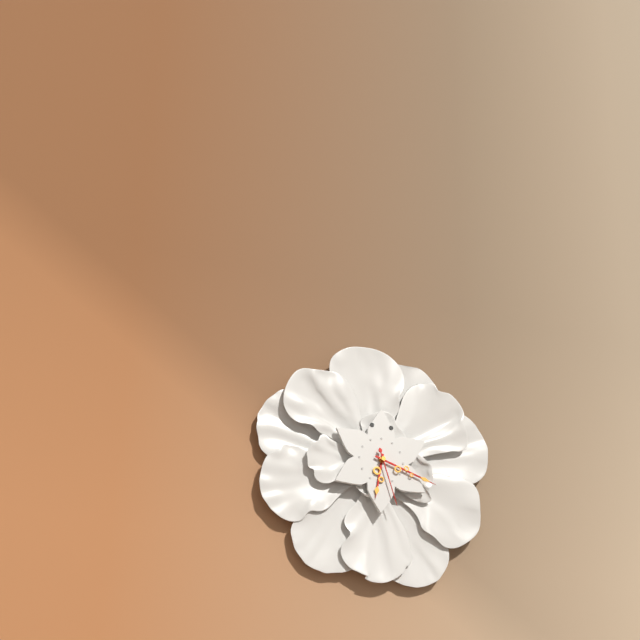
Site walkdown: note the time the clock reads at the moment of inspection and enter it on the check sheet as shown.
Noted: 6:18:27
